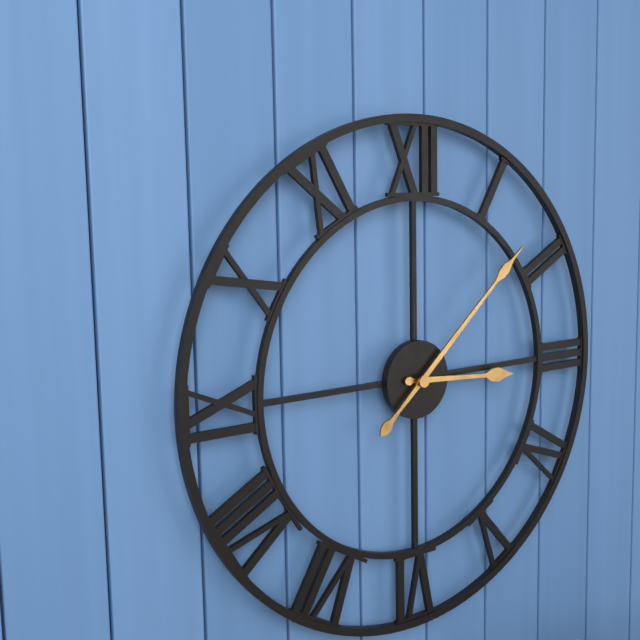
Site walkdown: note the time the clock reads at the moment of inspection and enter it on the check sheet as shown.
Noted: 3:08
